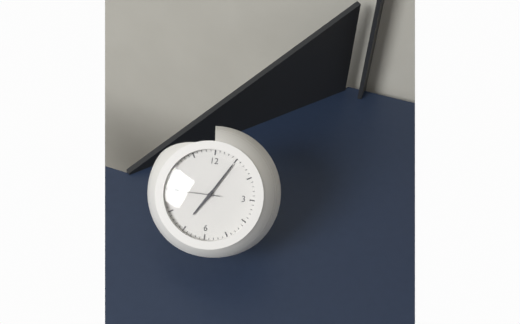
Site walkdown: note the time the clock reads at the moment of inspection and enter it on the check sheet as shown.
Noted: 7:05:45
